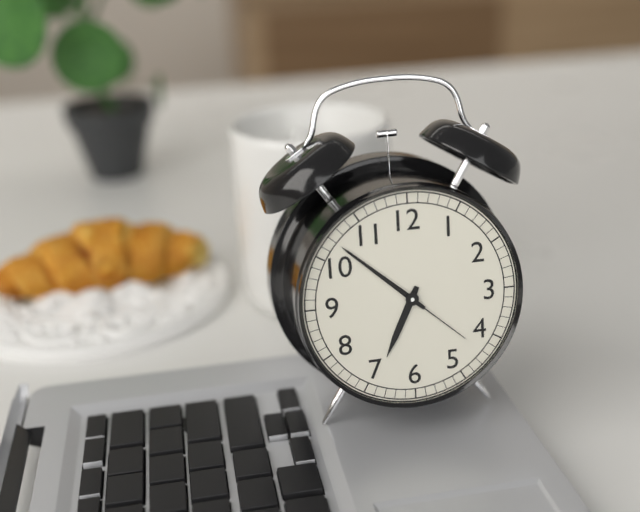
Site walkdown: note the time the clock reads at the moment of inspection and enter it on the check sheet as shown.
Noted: 6:52:22
